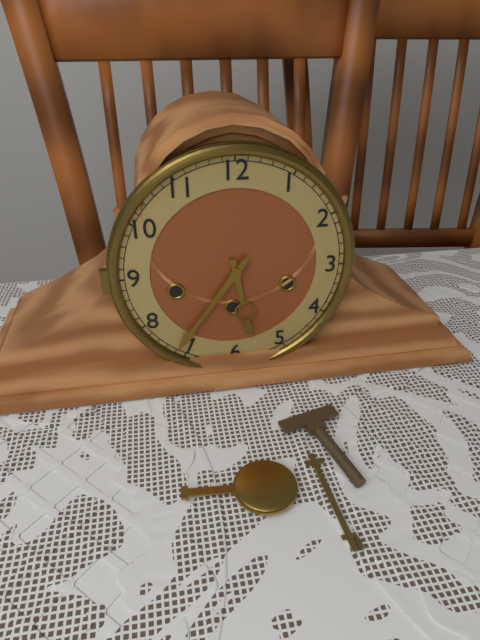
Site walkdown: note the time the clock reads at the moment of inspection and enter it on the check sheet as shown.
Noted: 5:36
